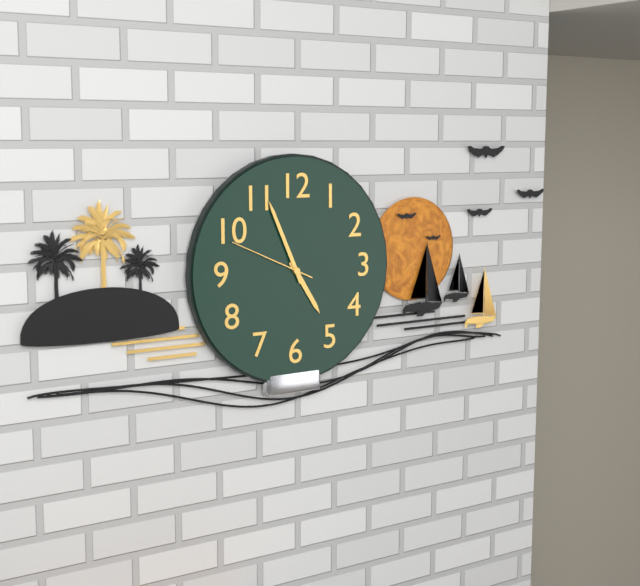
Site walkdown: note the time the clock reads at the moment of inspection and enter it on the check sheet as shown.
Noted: 4:56:49
